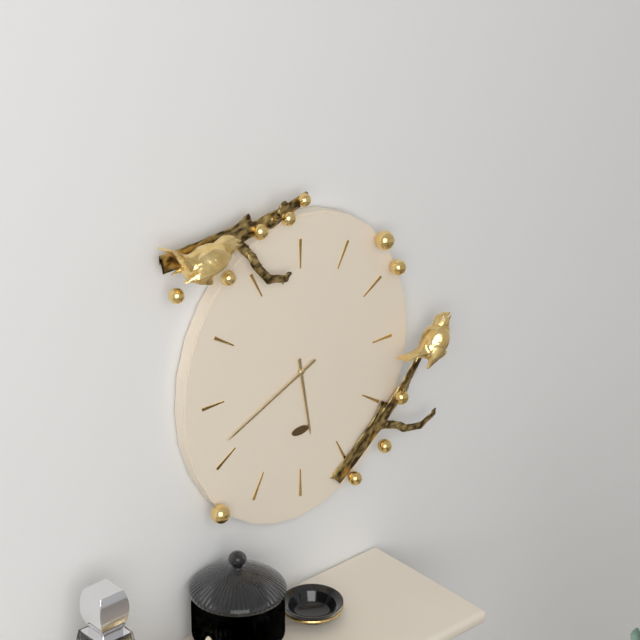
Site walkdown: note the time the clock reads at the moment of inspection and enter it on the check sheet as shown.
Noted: 5:41
